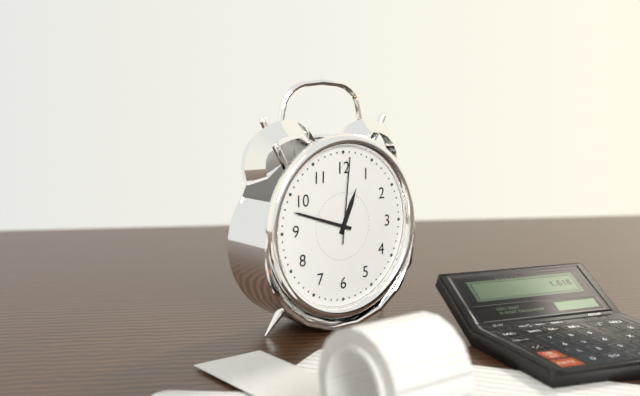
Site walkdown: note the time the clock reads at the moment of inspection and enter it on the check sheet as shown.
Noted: 12:48:01
